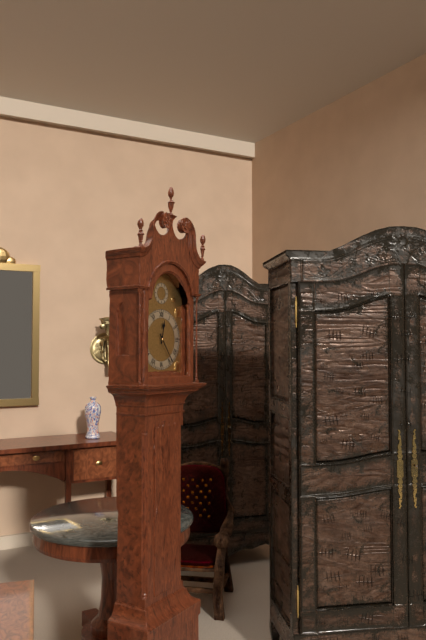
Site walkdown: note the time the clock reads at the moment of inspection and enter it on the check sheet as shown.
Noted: 12:24
